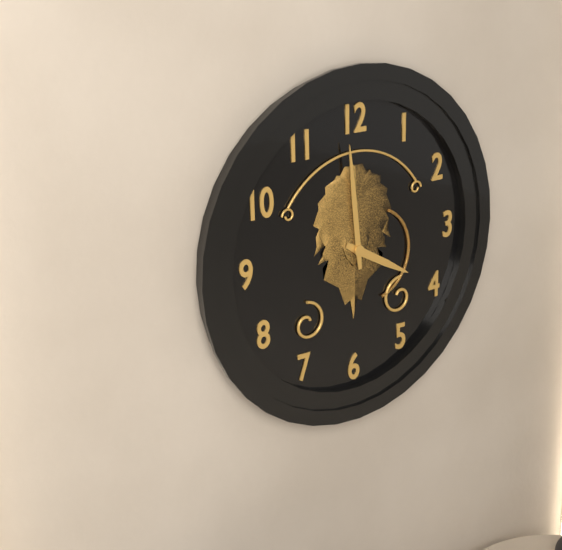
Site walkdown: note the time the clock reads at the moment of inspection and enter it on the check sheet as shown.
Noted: 3:59
